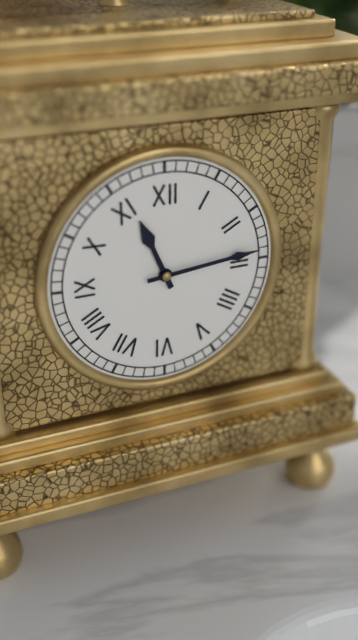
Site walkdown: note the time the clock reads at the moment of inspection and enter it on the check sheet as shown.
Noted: 11:14
